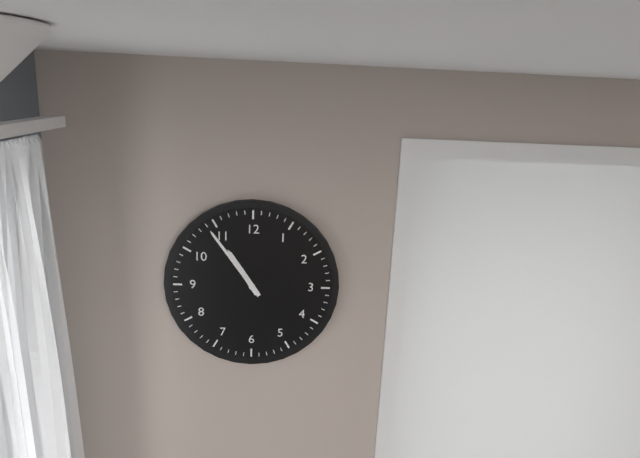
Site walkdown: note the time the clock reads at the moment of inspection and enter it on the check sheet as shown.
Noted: 10:54
